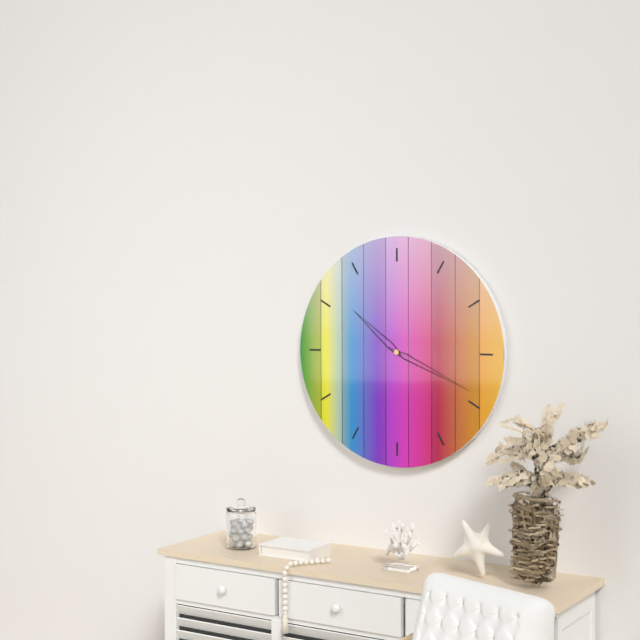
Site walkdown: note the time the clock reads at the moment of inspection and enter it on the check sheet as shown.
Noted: 10:19
